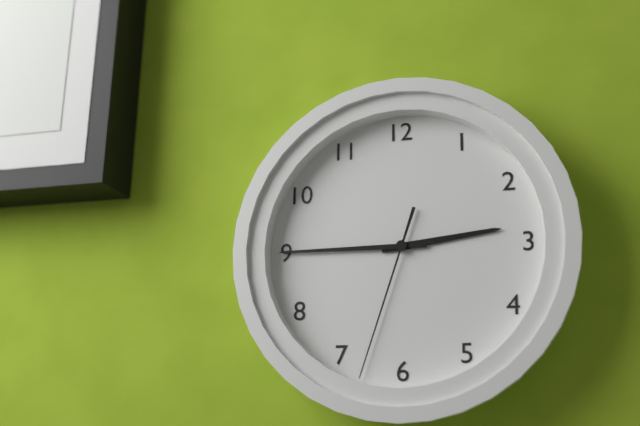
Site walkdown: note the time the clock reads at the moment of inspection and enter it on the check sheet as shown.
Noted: 2:45:33
